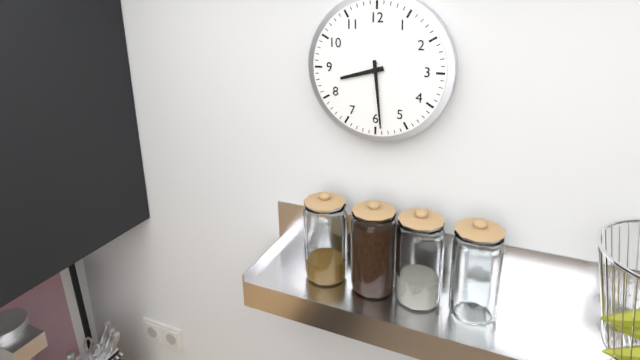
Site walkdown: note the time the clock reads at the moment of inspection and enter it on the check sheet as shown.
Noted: 8:29
